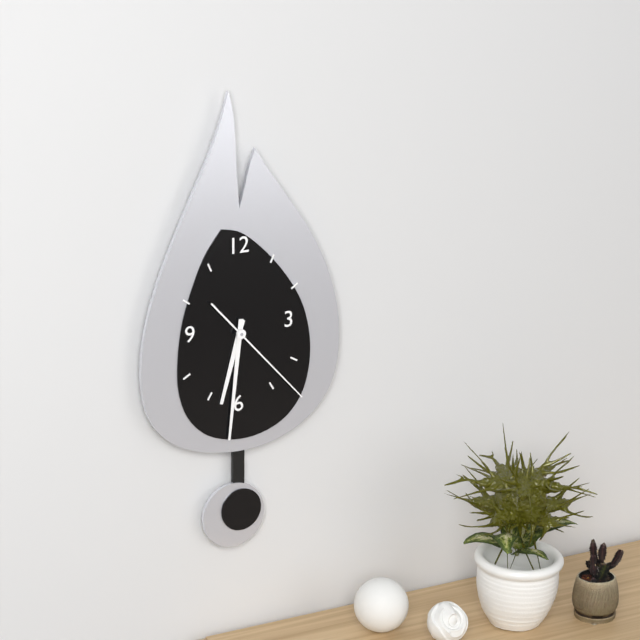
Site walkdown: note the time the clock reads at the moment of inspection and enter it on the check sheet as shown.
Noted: 6:31:23
